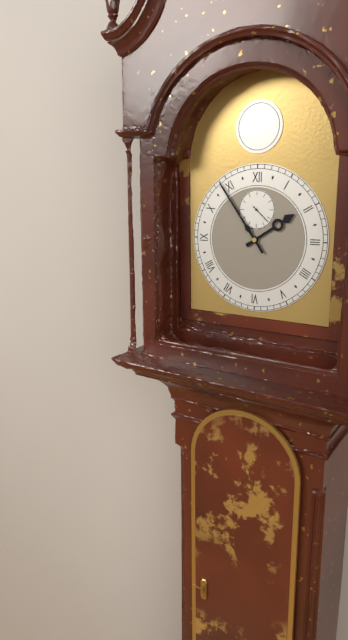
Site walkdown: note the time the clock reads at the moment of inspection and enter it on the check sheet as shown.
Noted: 1:54
